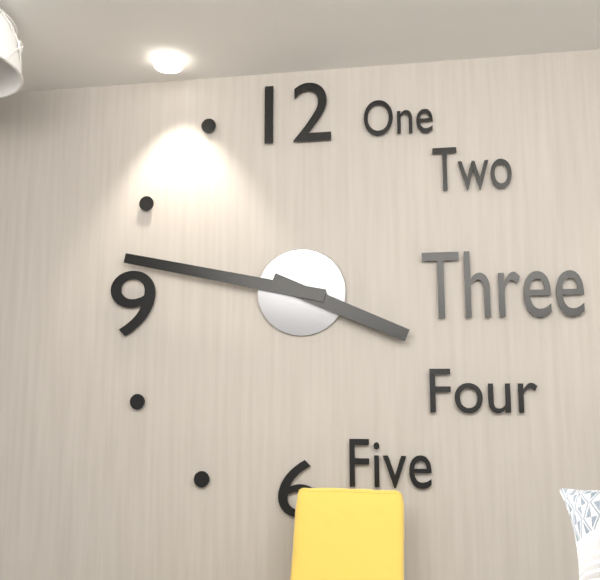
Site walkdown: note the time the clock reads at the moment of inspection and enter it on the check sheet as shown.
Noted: 3:47
